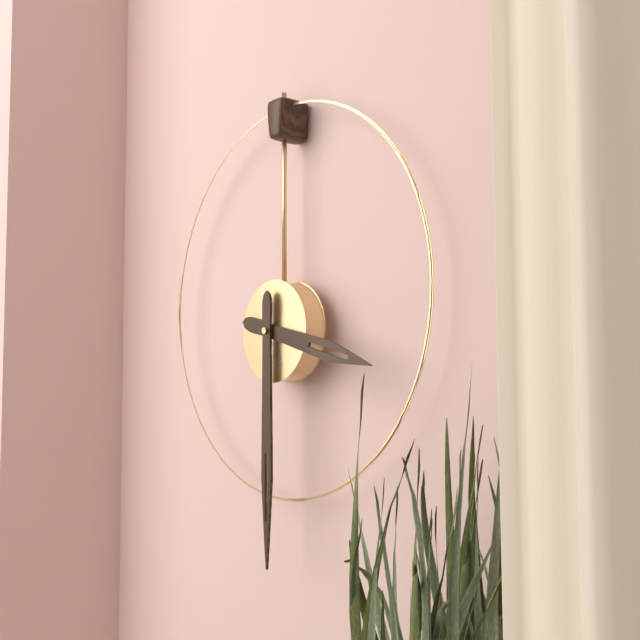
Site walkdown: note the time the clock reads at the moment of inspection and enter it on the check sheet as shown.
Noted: 3:30
